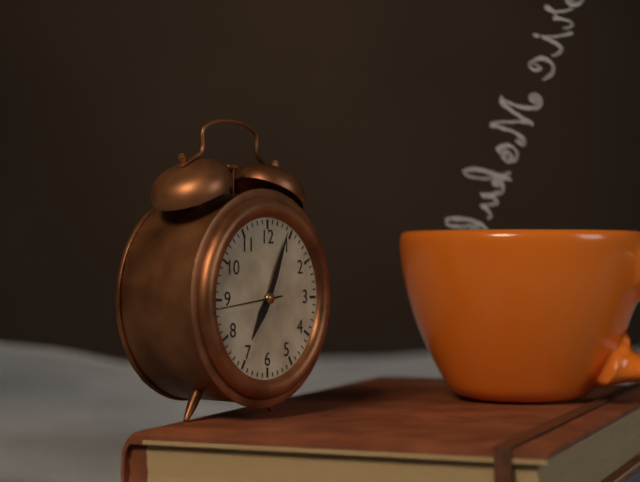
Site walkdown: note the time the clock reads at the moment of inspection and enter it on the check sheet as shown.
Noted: 7:04:44
